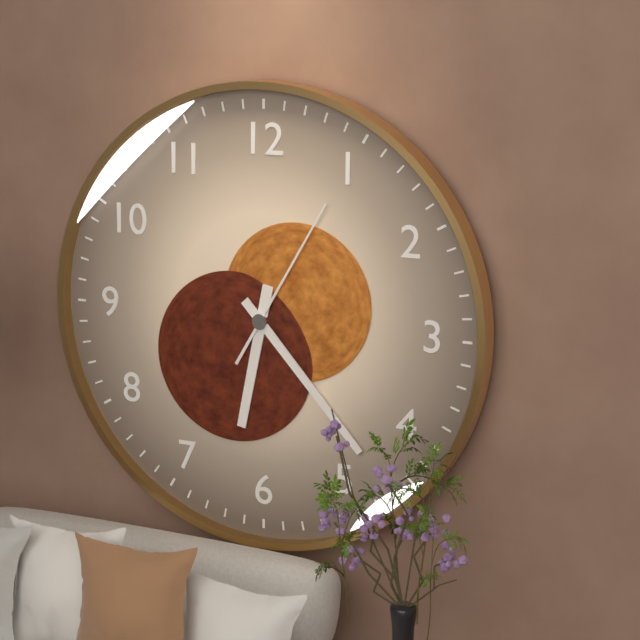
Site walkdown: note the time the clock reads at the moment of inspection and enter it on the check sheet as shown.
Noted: 6:23:05
